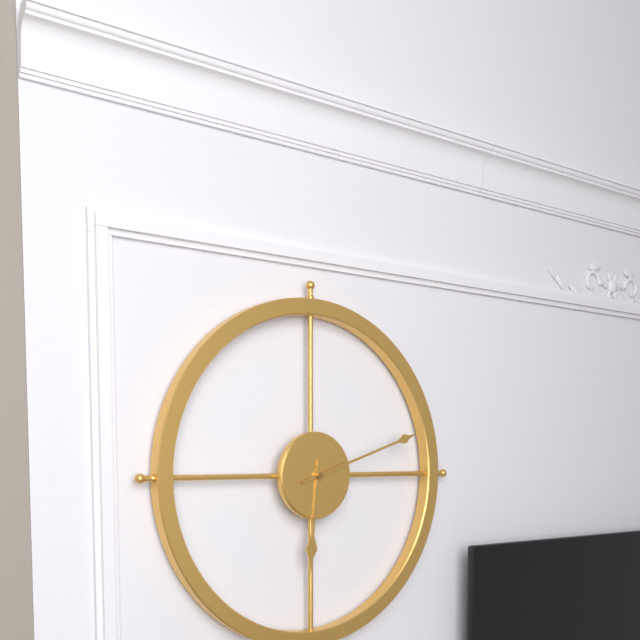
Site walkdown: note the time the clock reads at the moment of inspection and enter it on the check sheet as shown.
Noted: 6:12
